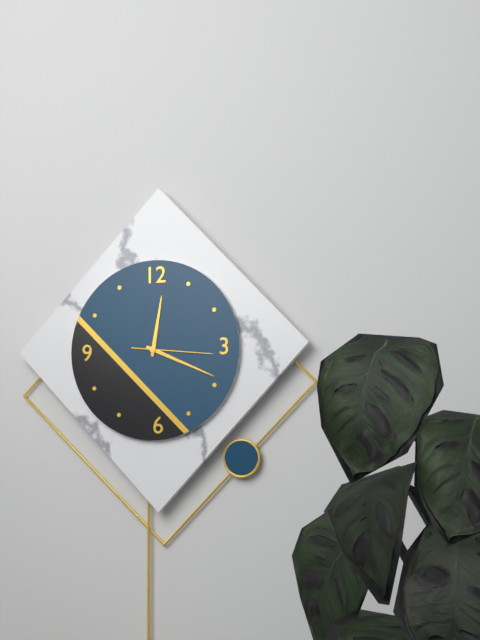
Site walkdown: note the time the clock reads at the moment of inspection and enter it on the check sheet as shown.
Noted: 12:19:16
